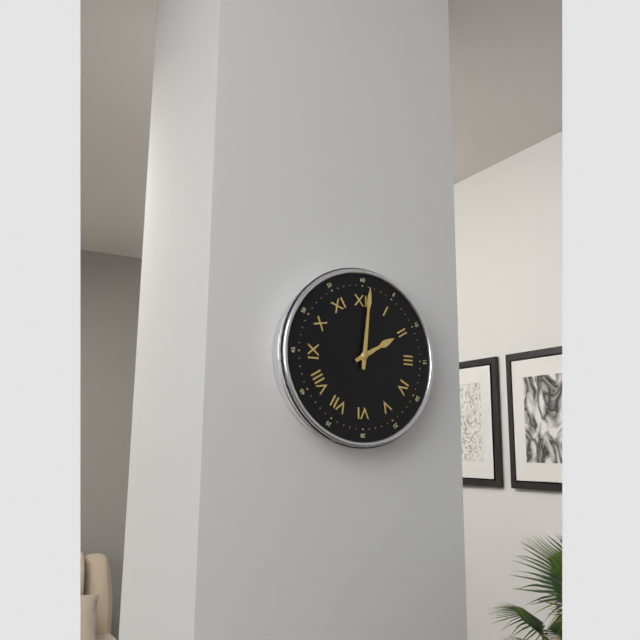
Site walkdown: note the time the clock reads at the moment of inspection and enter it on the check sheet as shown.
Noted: 2:01
